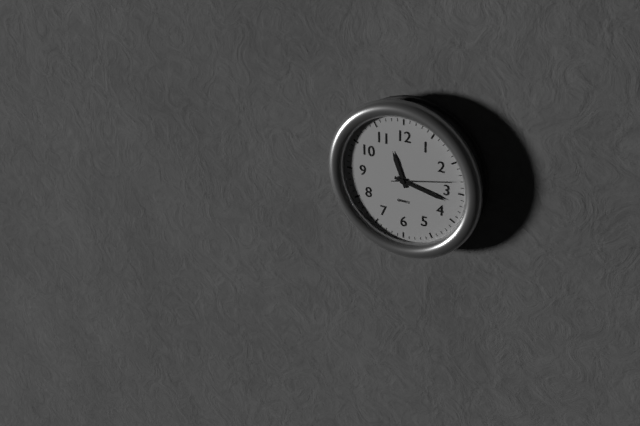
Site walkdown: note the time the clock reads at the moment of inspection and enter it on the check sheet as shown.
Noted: 11:17:13
